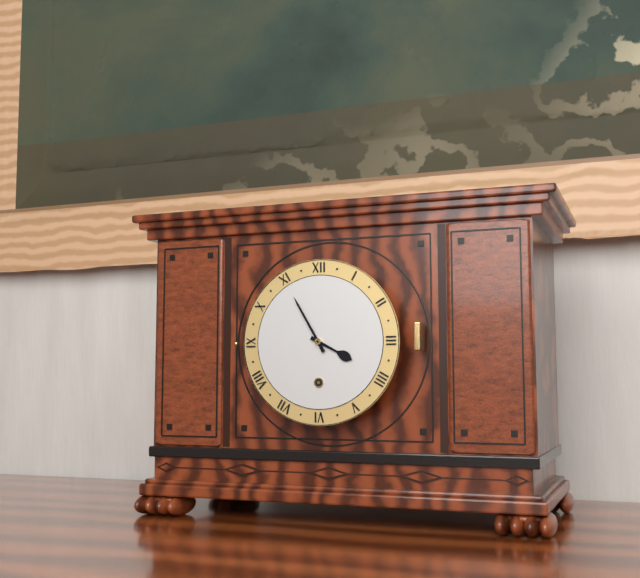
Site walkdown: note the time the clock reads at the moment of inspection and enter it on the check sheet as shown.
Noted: 3:55
